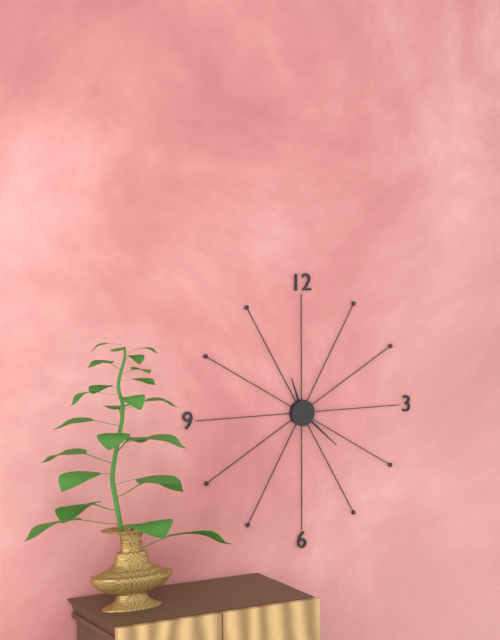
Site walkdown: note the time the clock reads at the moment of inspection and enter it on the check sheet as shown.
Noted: 11:22
